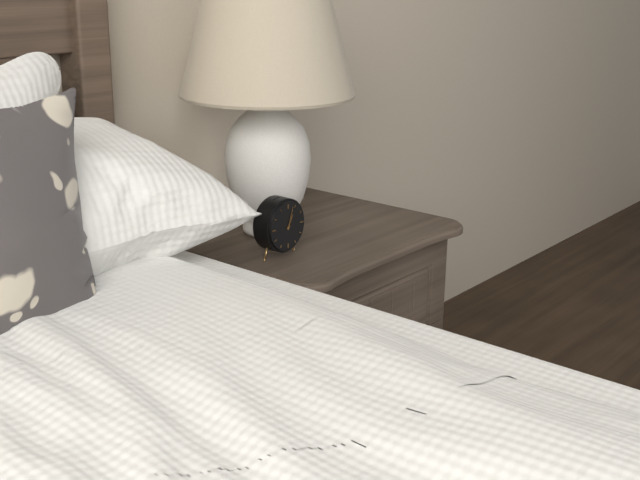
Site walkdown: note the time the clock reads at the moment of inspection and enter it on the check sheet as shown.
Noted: 1:03
